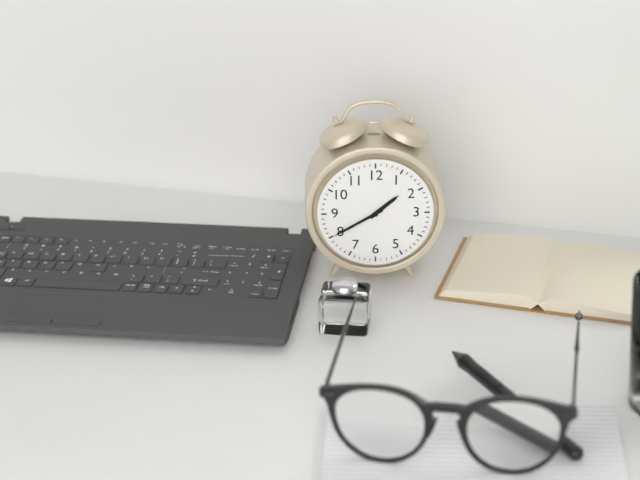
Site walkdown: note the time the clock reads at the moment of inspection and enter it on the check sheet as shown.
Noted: 1:40
